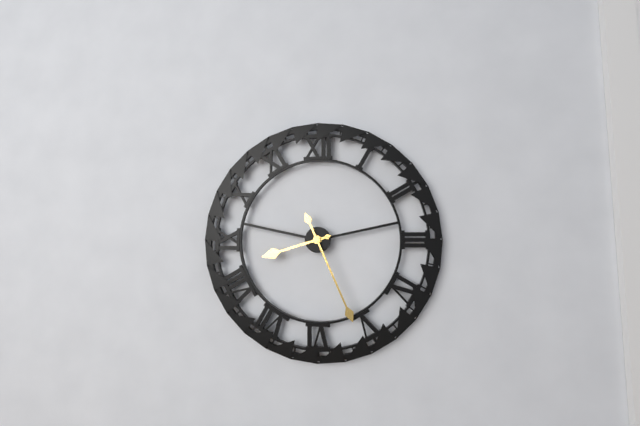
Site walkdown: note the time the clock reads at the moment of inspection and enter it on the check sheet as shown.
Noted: 8:26
